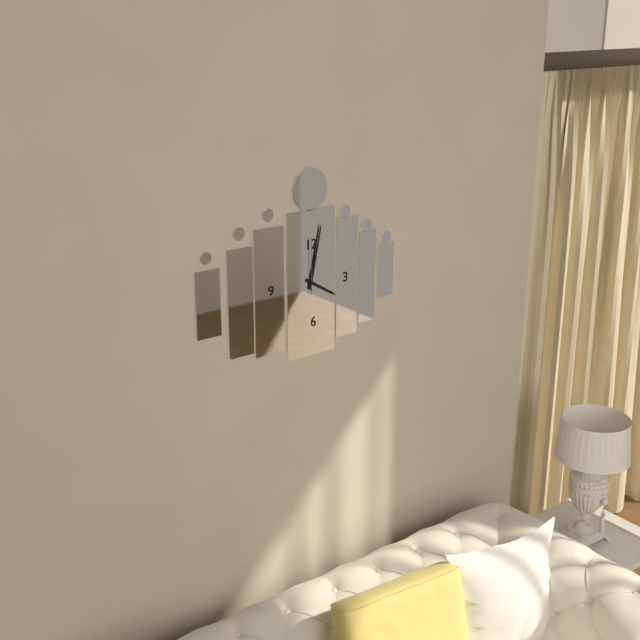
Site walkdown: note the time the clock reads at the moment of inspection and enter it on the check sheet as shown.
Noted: 4:02:00
